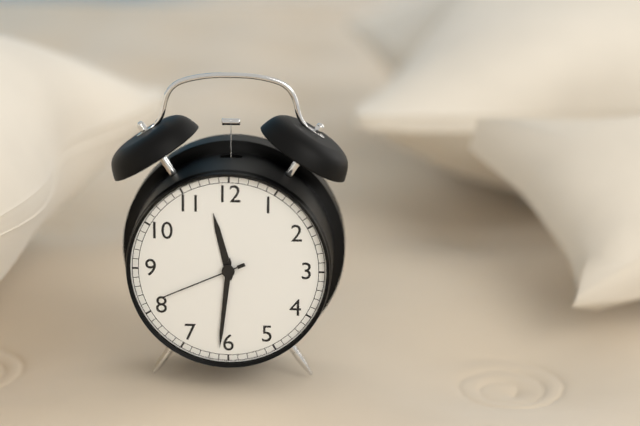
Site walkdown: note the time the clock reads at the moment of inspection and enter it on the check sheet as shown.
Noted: 11:31:41
